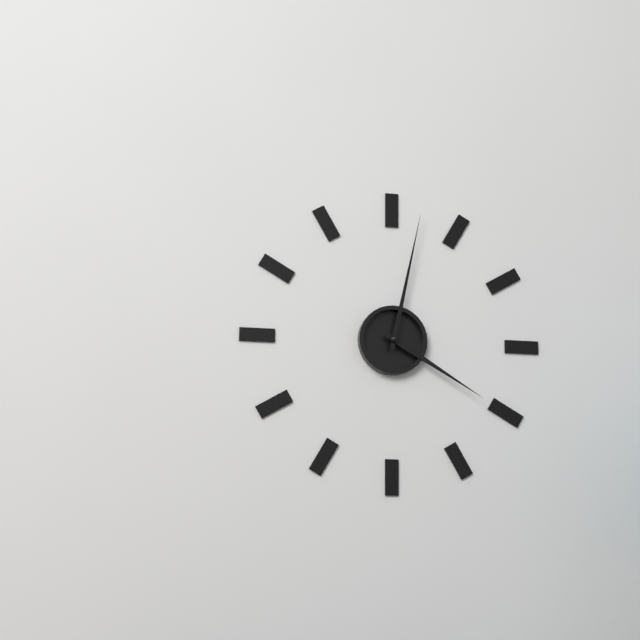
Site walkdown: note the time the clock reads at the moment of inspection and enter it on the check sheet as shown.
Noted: 4:02
